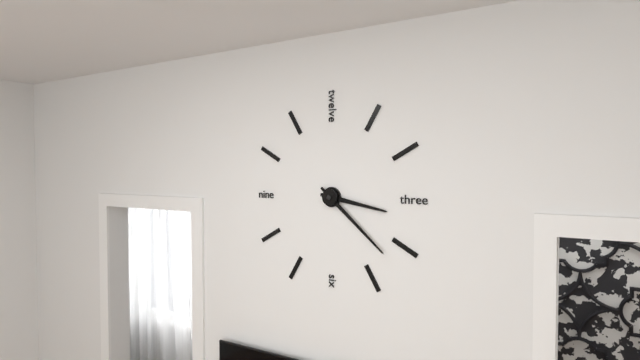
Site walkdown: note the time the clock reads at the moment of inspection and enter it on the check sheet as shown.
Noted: 3:22
